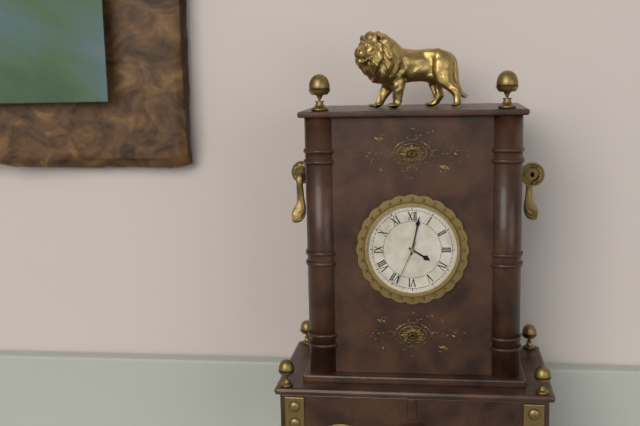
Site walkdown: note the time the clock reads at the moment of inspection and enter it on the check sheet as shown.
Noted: 4:02
